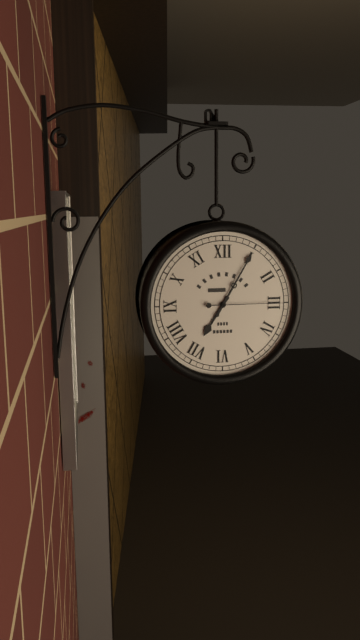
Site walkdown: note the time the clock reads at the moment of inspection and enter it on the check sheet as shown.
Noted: 7:05:15
